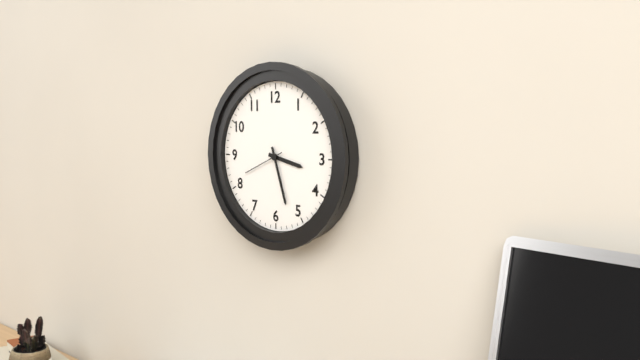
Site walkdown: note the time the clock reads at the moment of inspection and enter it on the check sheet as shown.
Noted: 3:27
